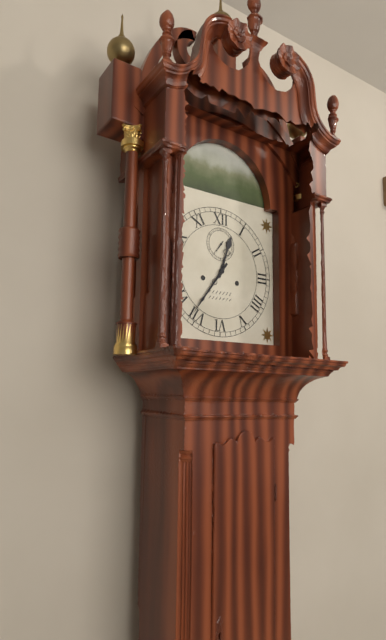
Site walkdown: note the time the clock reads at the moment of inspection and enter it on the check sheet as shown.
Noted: 12:36
